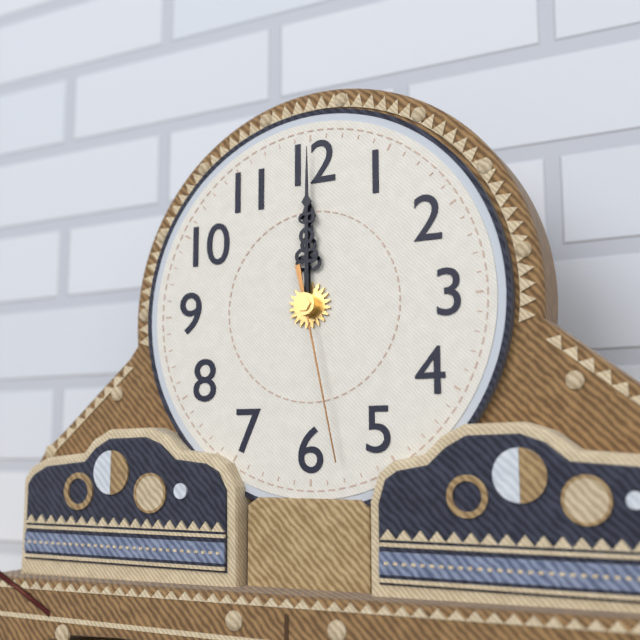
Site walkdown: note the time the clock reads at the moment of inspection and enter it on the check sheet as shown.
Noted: 12:00:28
